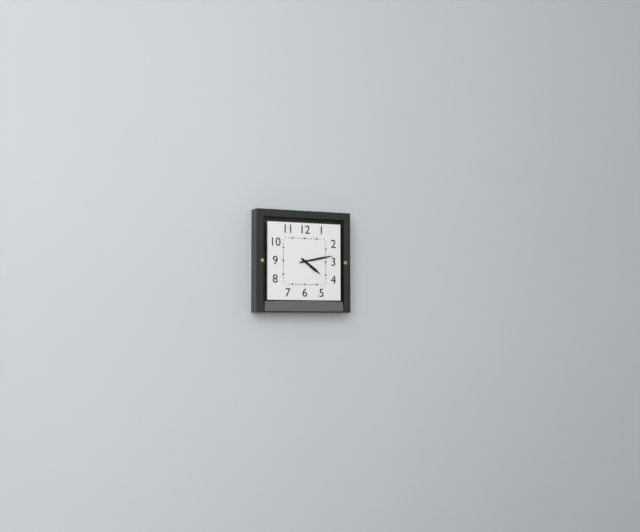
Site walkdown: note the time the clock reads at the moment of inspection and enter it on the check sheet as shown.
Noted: 4:13
